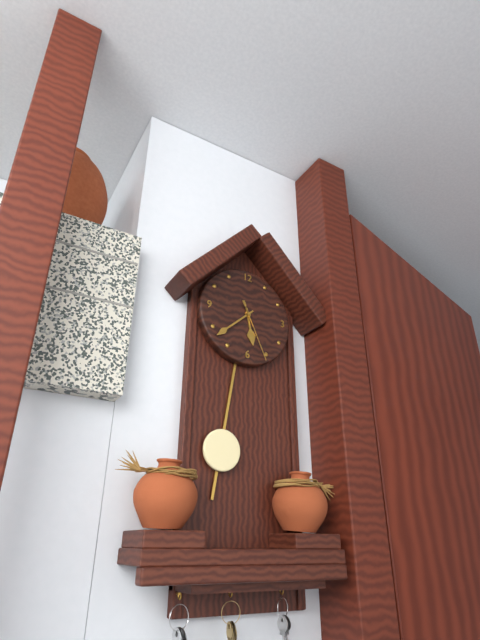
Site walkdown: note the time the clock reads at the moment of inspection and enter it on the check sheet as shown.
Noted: 5:38:26
